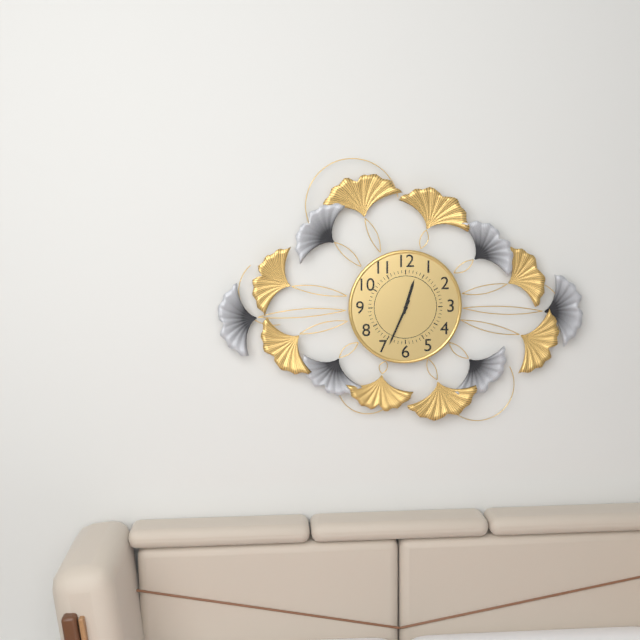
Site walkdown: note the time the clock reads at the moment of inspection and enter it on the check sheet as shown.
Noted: 12:34
